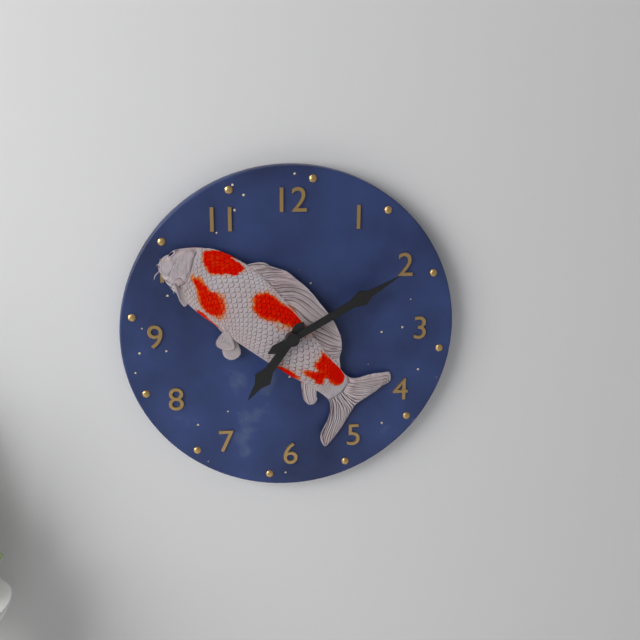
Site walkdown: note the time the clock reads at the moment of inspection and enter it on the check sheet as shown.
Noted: 7:10
